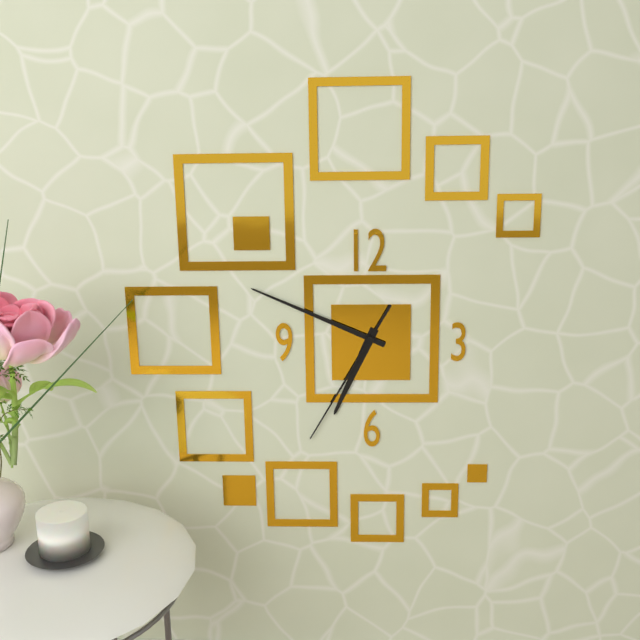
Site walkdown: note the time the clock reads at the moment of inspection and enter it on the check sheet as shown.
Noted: 6:49:35
